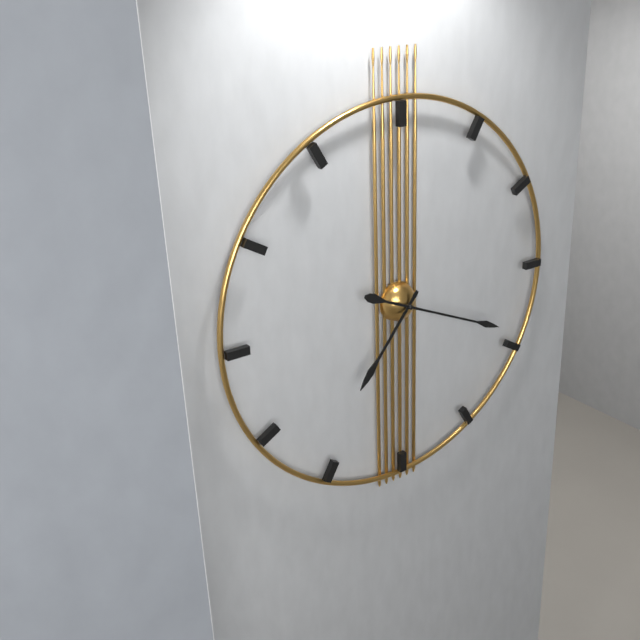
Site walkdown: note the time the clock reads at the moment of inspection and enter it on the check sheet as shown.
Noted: 7:19
